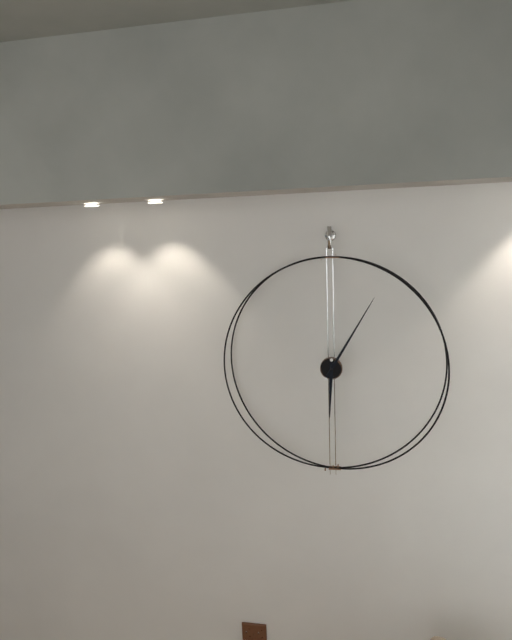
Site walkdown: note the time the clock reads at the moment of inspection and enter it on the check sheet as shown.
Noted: 6:05
